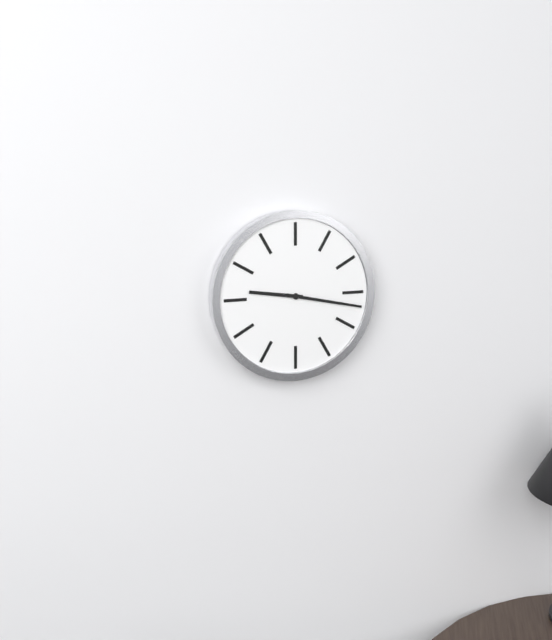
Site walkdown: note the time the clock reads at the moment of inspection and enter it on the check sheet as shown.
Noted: 9:17
